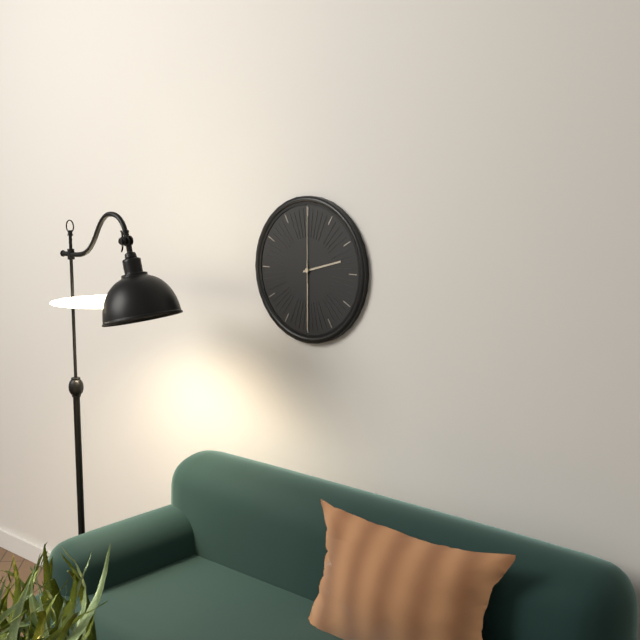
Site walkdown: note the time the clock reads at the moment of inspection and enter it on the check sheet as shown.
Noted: 2:30:00
